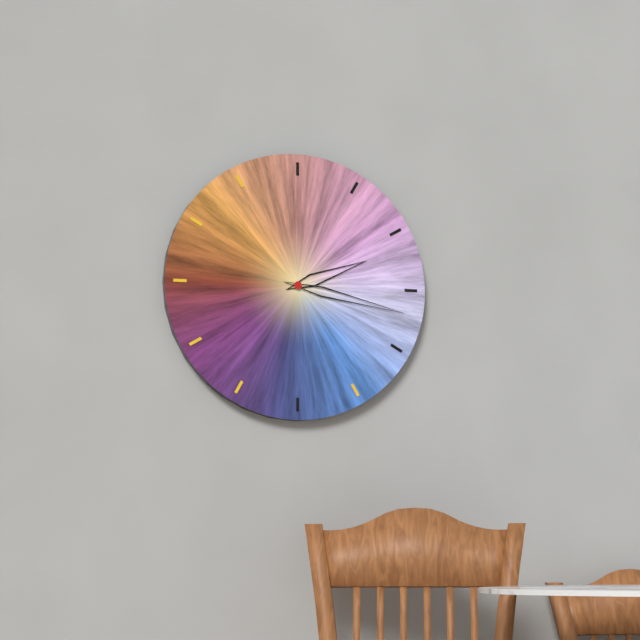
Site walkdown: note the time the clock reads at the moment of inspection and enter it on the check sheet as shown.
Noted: 2:17
